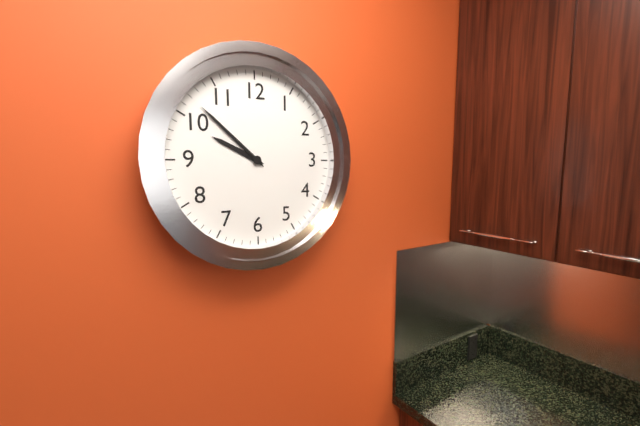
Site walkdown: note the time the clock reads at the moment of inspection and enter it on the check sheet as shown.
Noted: 9:52
